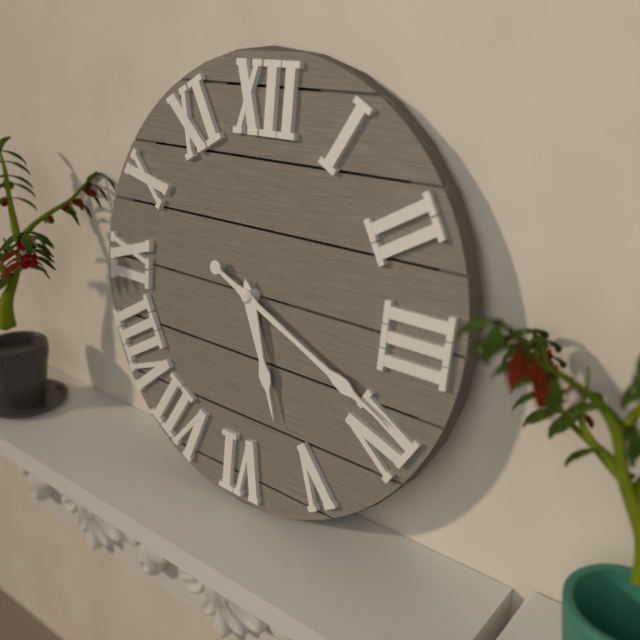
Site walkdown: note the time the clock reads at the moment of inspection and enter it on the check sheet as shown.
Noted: 5:19
